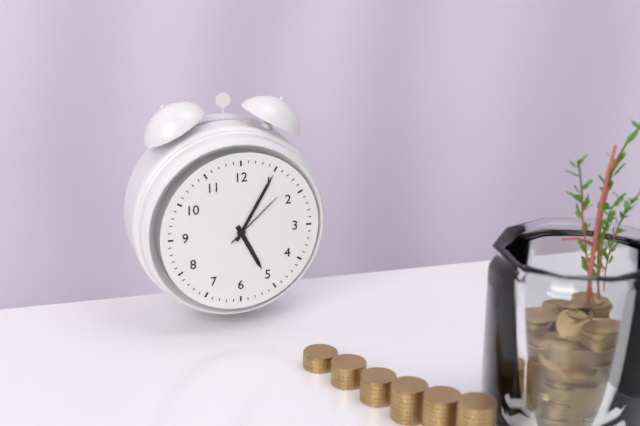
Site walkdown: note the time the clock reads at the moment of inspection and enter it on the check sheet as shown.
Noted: 5:05:08
